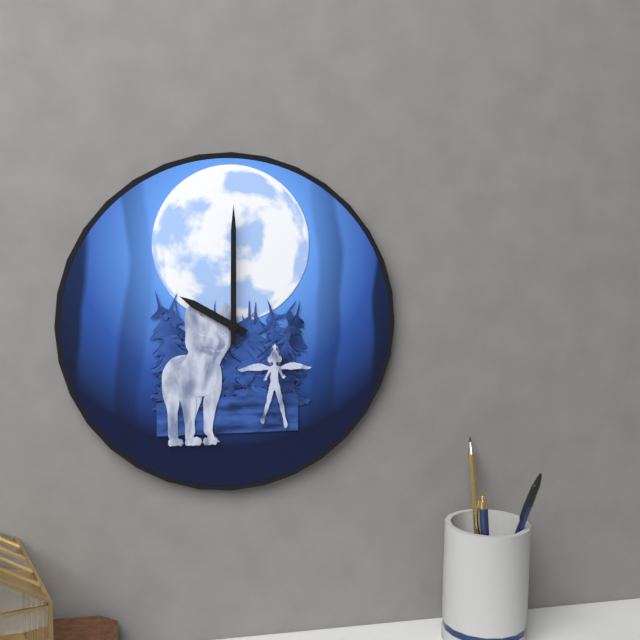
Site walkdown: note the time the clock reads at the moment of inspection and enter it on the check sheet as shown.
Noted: 10:00
